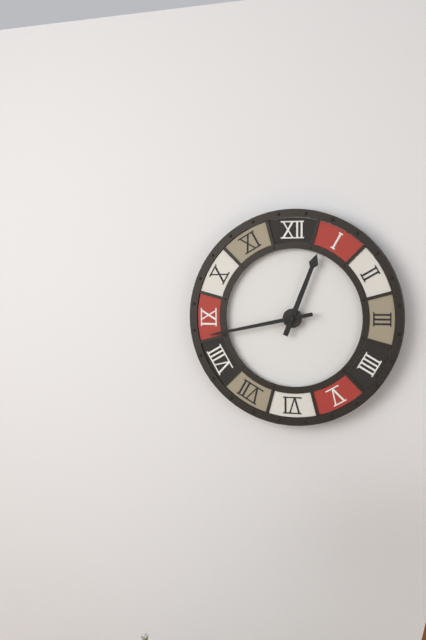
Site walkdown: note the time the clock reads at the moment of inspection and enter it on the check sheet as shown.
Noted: 12:43
